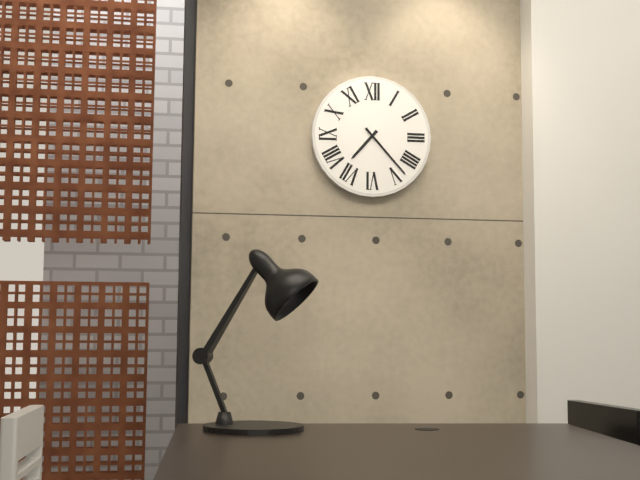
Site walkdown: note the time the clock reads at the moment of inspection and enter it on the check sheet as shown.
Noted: 7:23
